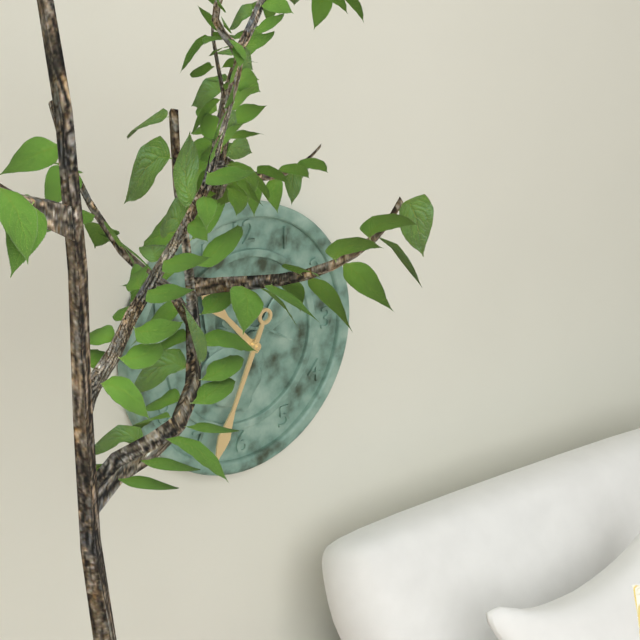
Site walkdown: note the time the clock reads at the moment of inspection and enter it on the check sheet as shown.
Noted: 10:34
